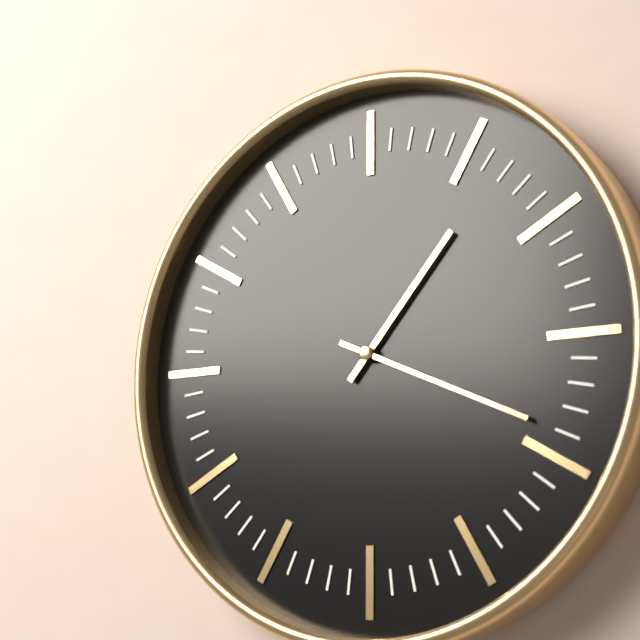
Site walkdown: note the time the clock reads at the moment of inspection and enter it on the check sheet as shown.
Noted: 1:19
